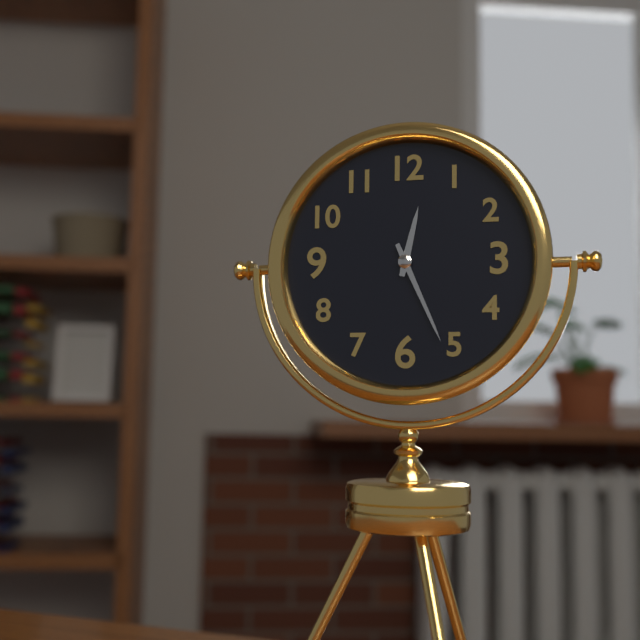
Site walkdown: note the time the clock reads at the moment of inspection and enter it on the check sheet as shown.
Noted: 12:26
